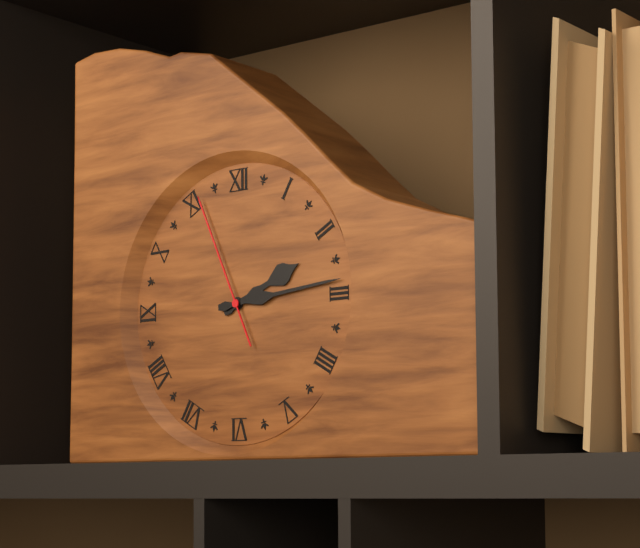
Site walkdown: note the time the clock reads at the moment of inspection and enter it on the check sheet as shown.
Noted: 2:14:56
